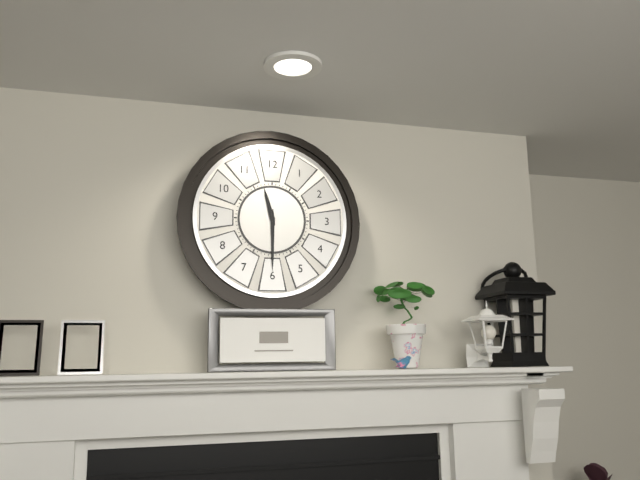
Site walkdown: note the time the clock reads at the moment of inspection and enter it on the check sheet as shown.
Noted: 11:30
